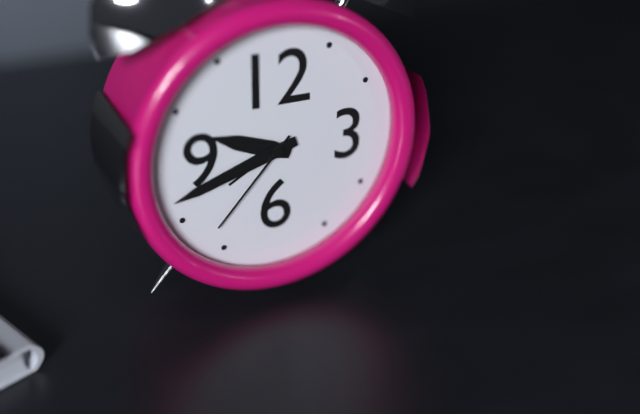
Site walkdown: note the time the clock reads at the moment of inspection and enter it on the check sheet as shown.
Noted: 9:42:37
